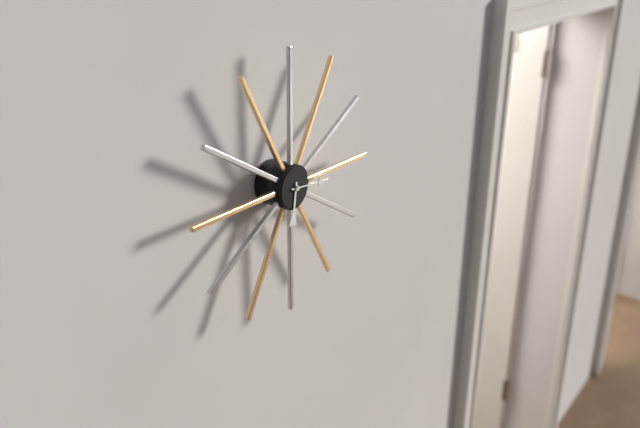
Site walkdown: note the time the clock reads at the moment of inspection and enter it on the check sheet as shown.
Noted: 6:16
